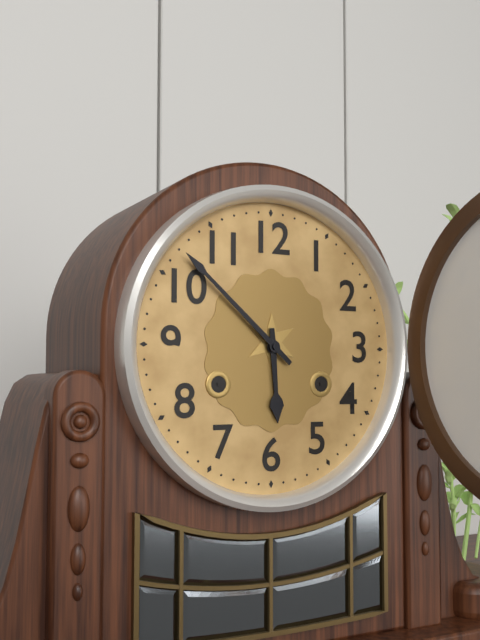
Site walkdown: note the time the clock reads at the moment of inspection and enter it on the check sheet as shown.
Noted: 5:52
